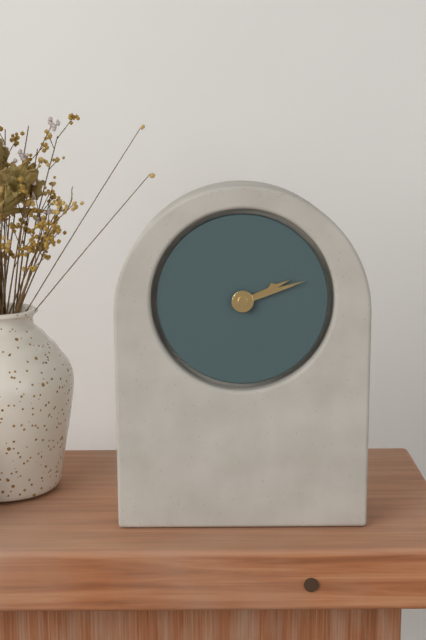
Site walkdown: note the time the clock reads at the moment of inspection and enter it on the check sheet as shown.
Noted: 2:12
